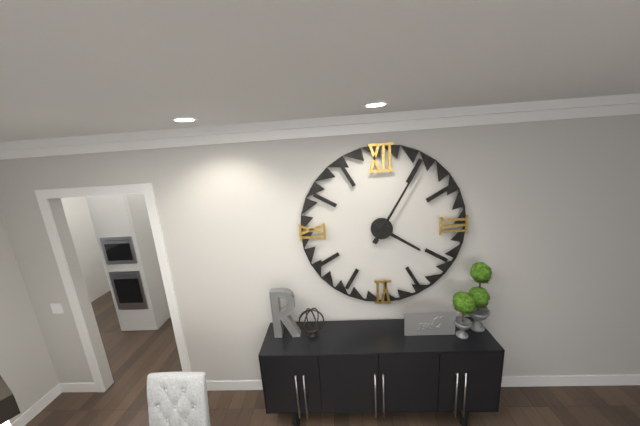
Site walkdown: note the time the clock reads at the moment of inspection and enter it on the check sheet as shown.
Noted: 4:05
